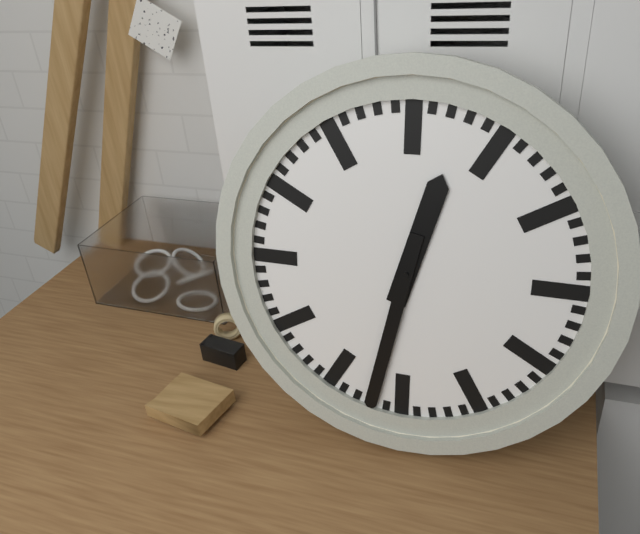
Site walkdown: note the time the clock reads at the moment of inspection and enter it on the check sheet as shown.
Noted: 12:32
